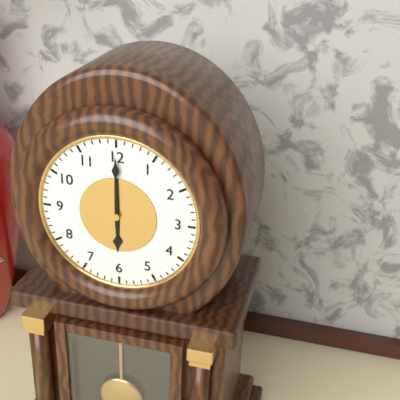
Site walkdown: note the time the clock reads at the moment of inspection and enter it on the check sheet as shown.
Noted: 6:00
